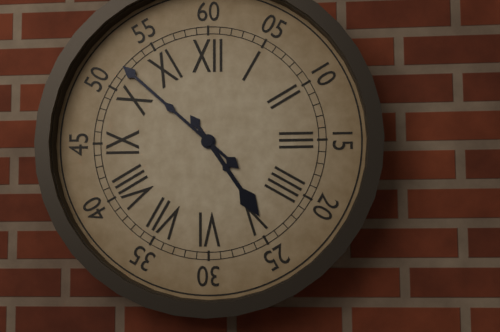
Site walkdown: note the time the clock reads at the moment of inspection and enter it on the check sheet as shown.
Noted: 4:52
